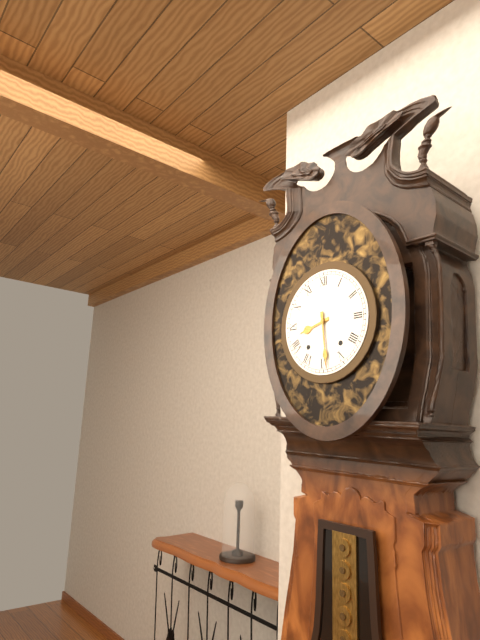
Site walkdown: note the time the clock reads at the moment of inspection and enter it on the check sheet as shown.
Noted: 8:29
